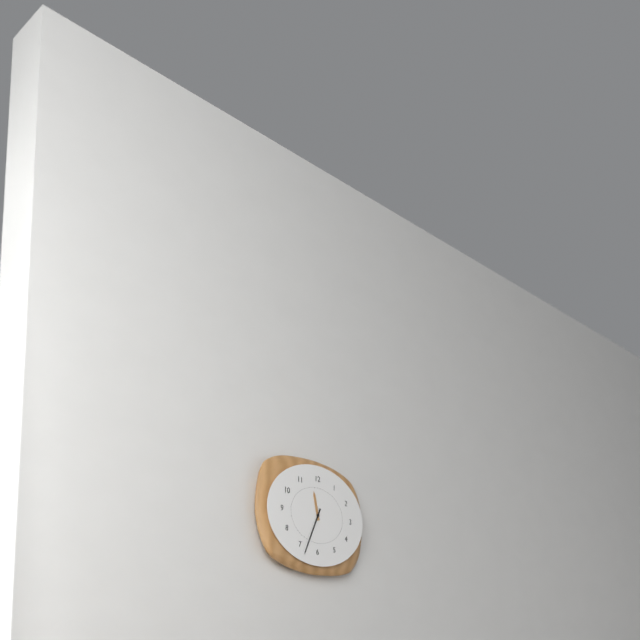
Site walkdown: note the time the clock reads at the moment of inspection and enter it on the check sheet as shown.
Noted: 11:34
